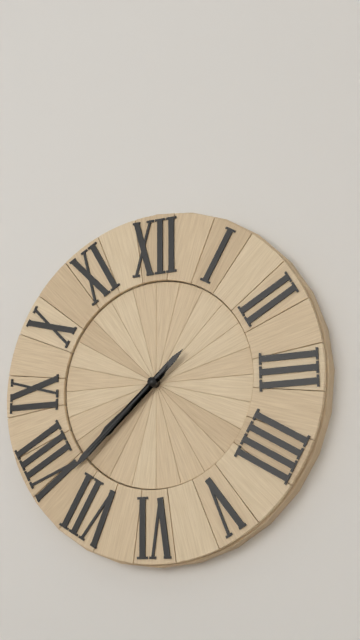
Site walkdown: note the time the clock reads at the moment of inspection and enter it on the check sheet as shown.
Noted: 7:38:38
